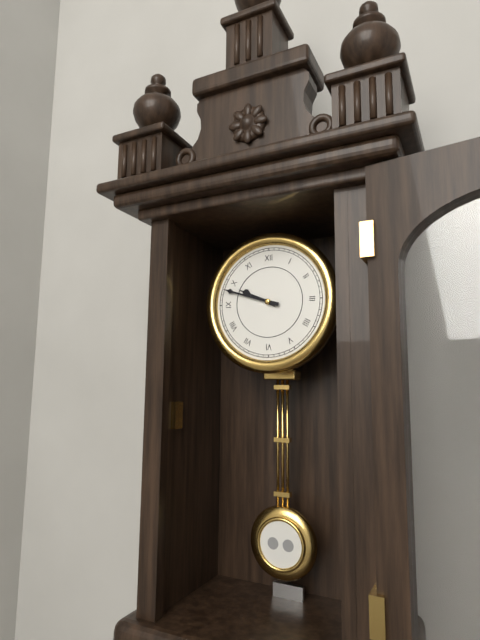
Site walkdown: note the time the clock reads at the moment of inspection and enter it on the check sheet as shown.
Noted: 9:48
